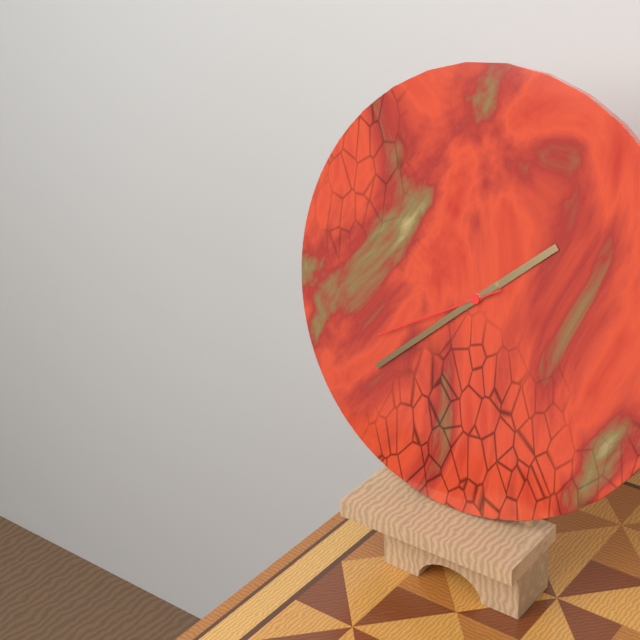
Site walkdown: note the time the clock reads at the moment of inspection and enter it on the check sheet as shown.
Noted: 1:38:40
